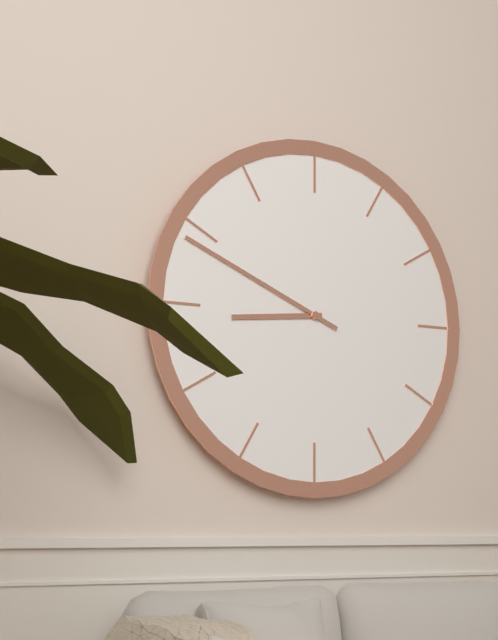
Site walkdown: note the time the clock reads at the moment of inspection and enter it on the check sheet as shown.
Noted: 8:49
